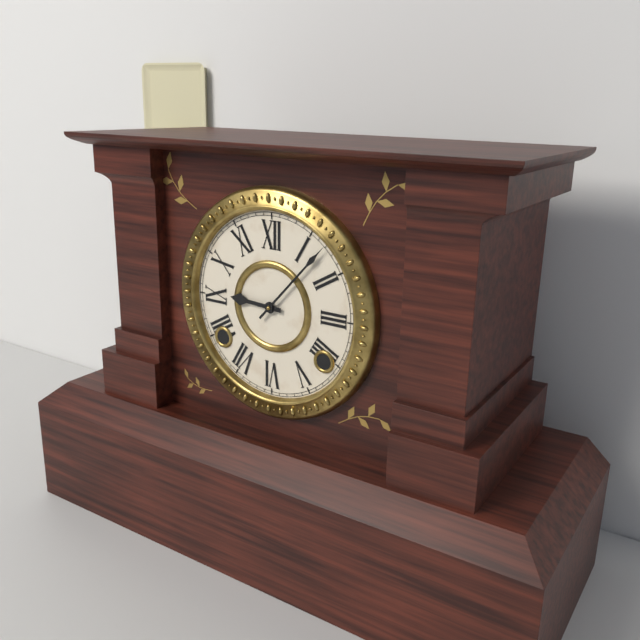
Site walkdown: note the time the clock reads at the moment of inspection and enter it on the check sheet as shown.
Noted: 9:07
